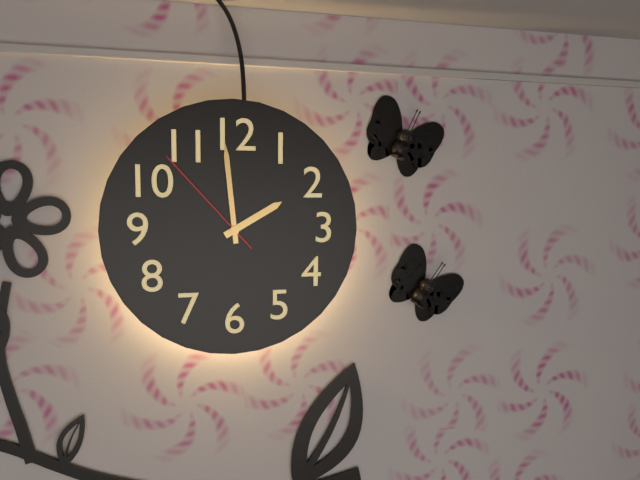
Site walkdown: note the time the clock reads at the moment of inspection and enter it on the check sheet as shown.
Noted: 1:59:53
